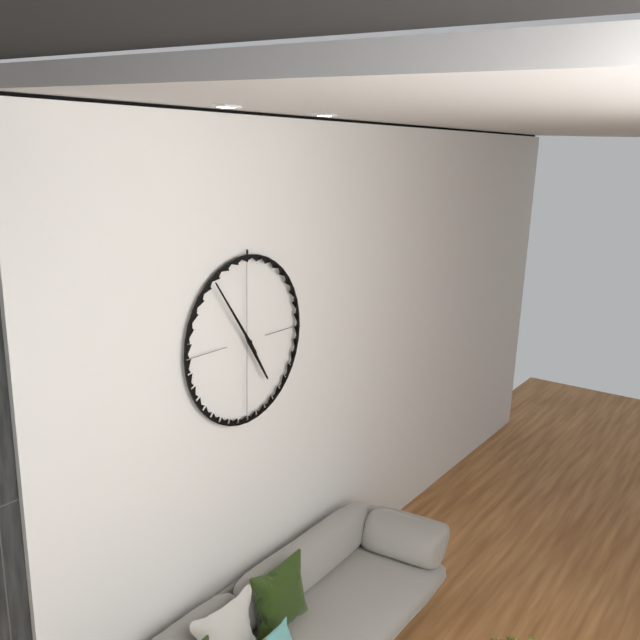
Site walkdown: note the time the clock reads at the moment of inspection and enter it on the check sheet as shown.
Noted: 4:54
